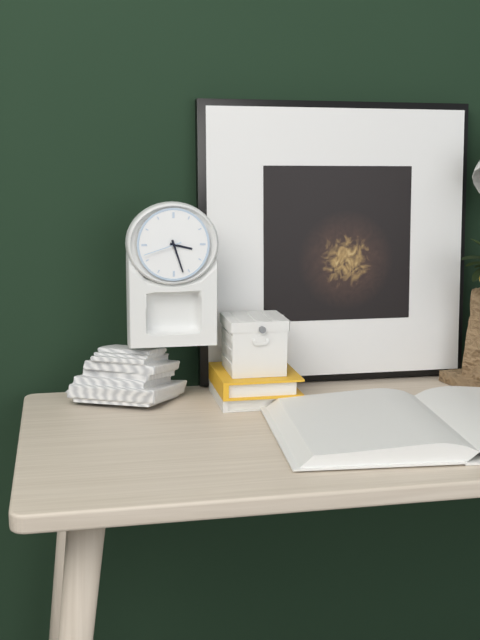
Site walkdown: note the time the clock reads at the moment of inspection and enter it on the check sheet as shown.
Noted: 3:27
